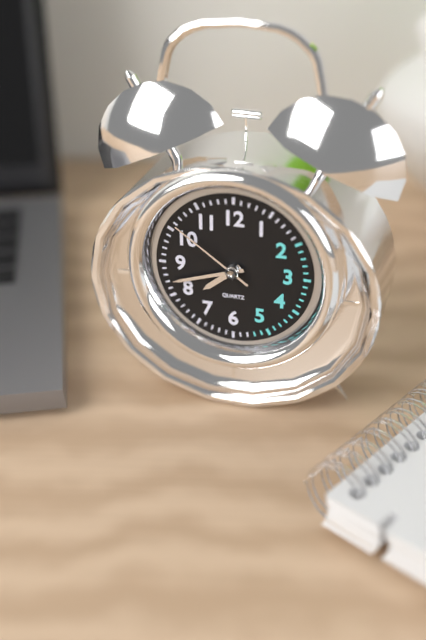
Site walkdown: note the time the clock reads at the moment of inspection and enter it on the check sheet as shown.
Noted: 7:42:51
